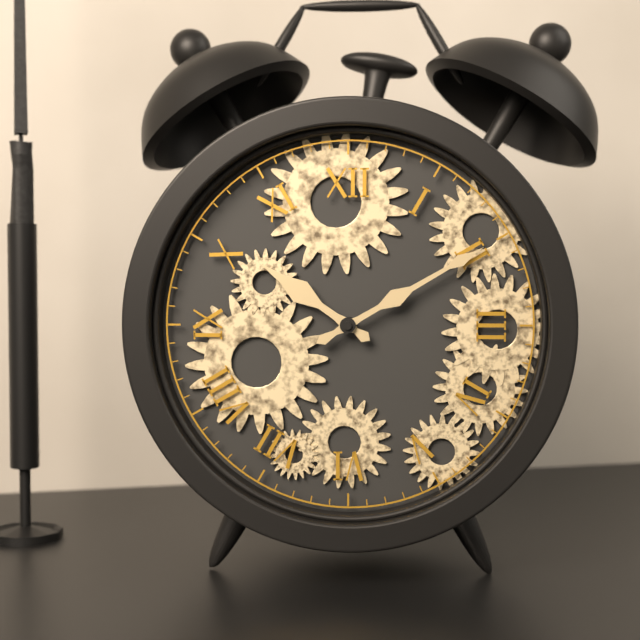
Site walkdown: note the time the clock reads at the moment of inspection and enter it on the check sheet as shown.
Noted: 10:10
